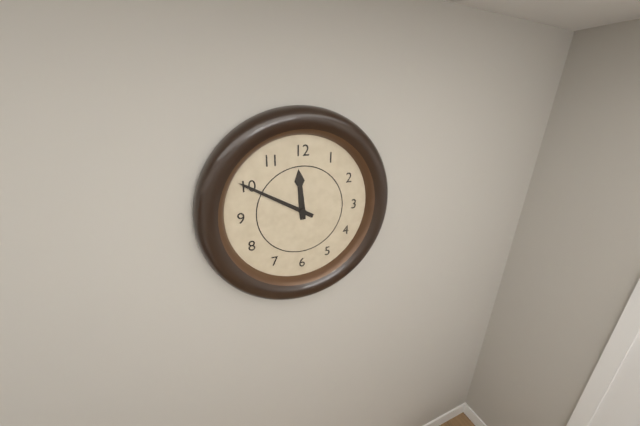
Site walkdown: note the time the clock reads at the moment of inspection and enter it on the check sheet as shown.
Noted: 11:50
